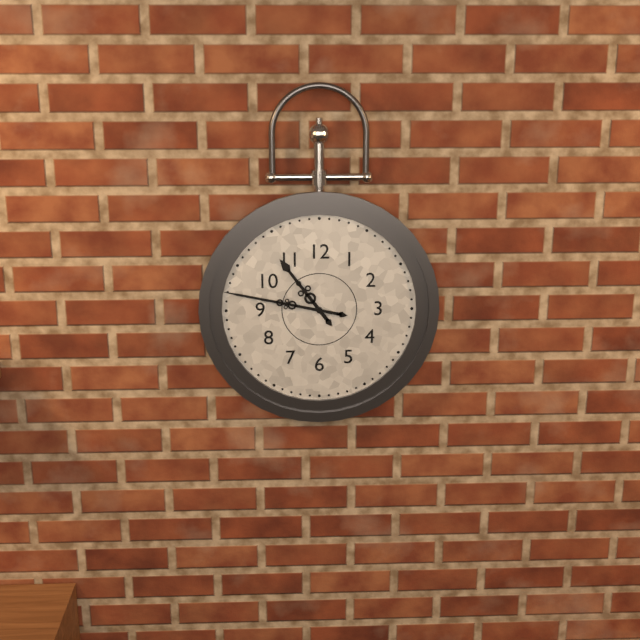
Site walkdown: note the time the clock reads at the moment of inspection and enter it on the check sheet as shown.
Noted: 10:47
